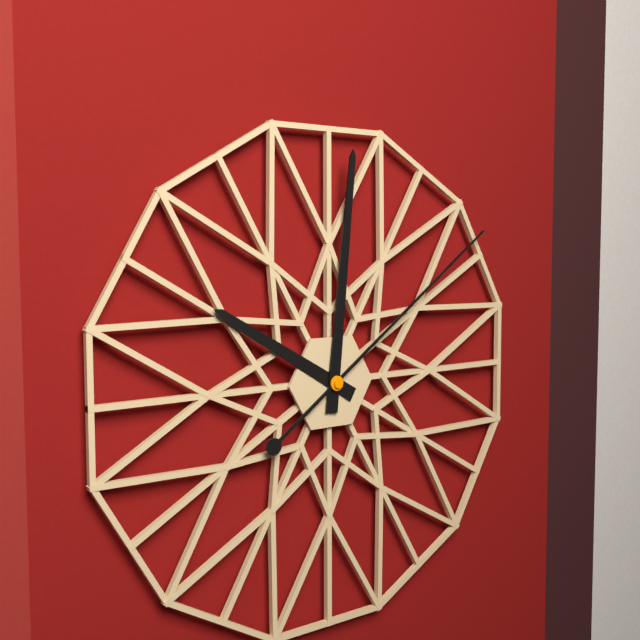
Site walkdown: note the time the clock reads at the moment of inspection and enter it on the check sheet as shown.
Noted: 10:01:09
